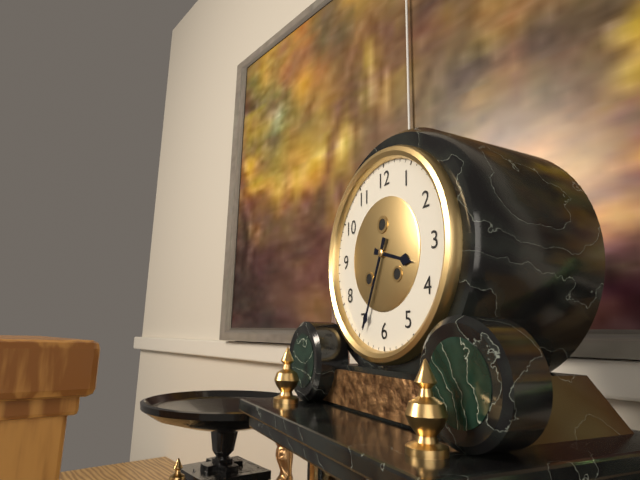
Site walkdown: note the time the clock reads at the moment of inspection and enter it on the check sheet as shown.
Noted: 3:34
